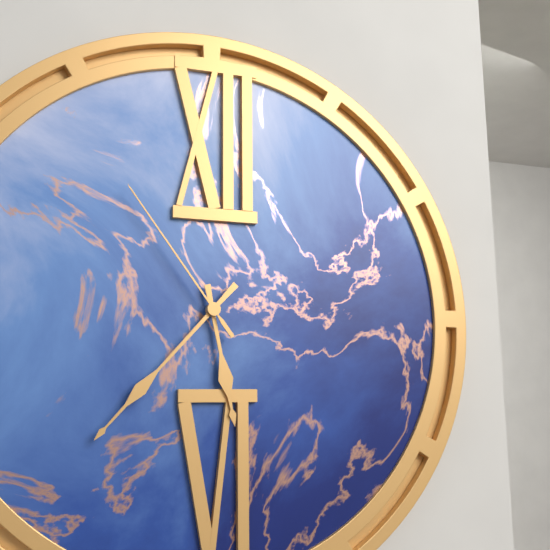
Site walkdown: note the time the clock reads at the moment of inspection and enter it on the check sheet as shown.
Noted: 5:37:54
